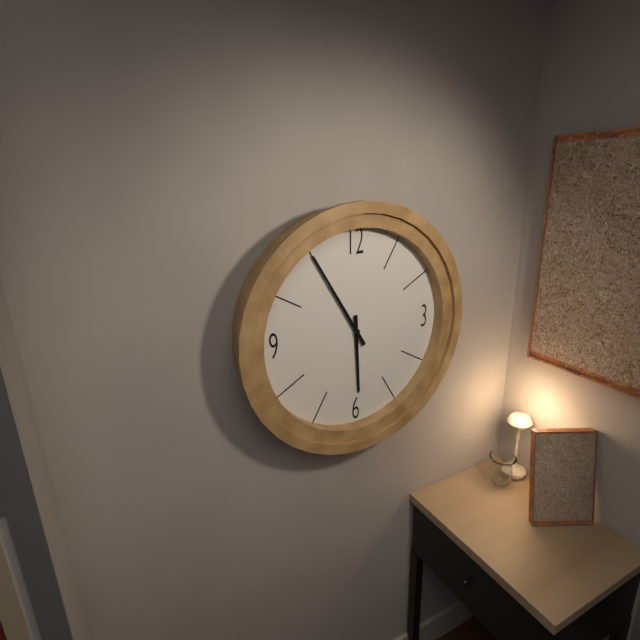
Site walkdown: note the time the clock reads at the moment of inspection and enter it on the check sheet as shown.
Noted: 5:55
